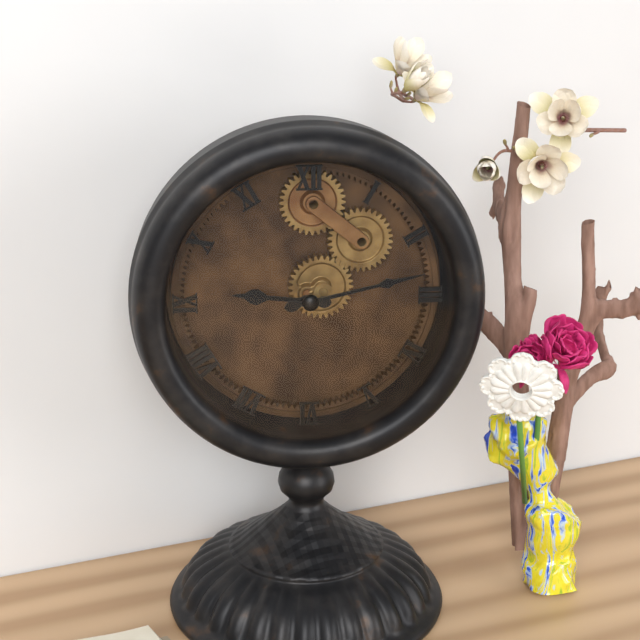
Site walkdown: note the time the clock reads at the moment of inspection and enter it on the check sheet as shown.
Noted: 9:13
